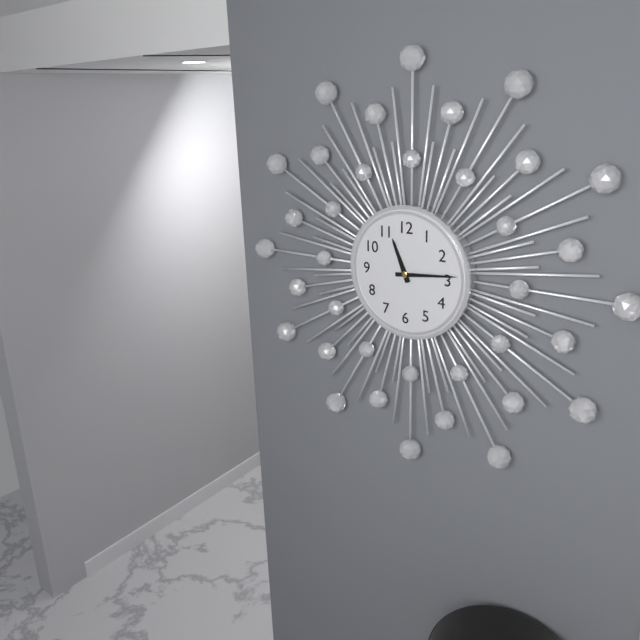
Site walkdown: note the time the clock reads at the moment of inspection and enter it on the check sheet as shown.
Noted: 11:14
